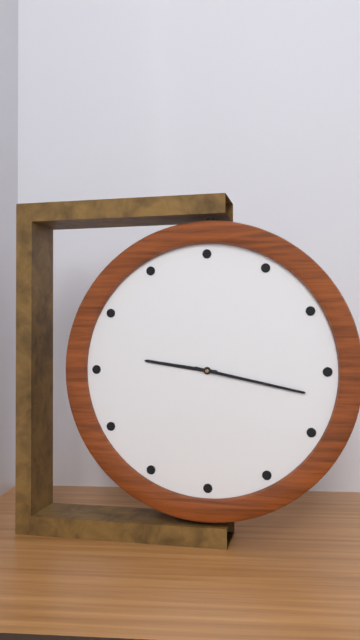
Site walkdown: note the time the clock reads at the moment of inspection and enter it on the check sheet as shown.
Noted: 9:17
